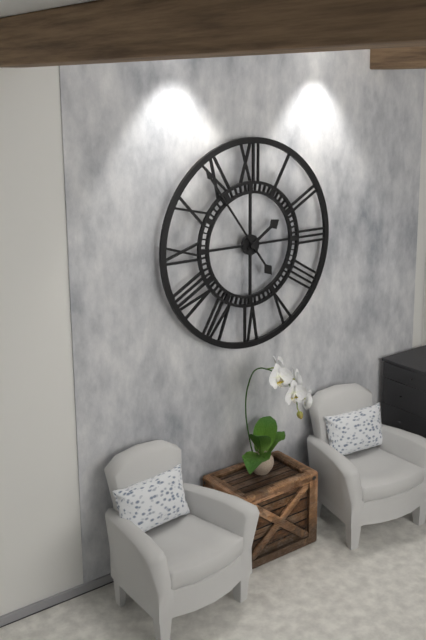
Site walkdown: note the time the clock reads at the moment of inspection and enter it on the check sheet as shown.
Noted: 1:54
